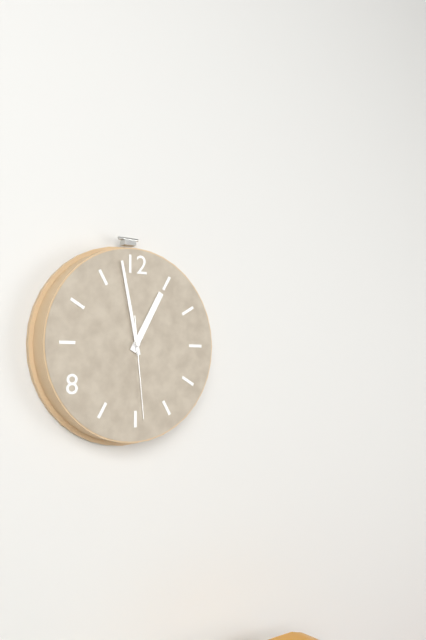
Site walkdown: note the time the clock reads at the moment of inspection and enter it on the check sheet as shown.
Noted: 12:58:29
